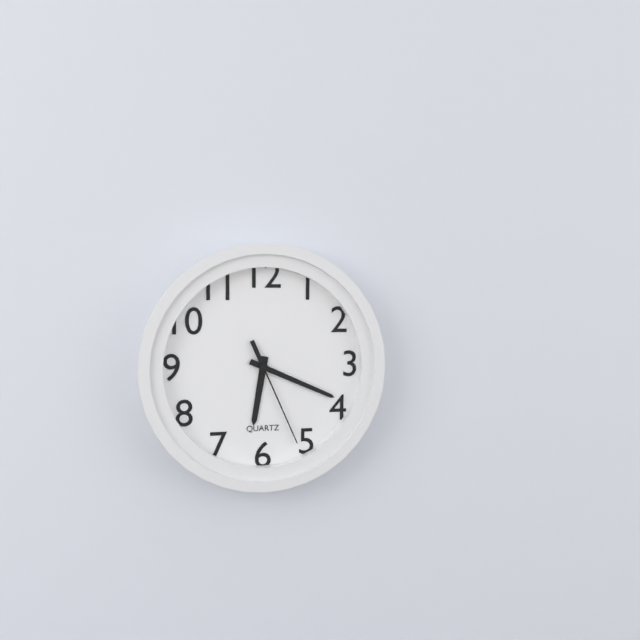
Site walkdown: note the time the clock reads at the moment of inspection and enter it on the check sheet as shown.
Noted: 6:19:26
